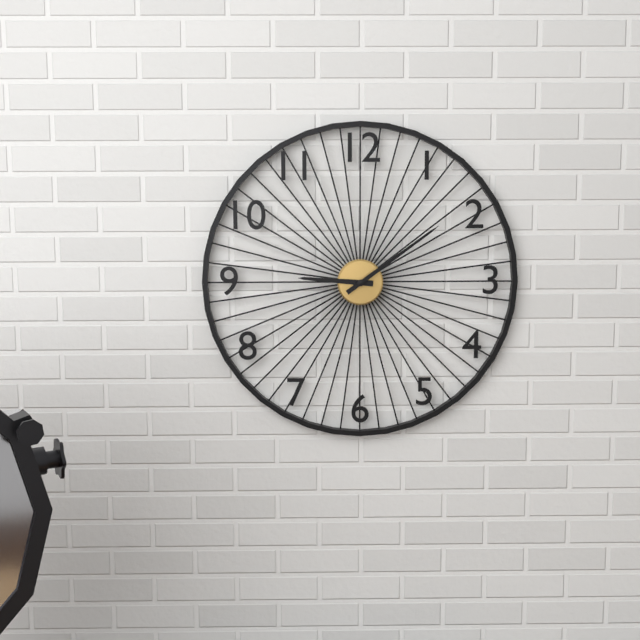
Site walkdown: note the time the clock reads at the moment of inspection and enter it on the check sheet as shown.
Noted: 9:09
